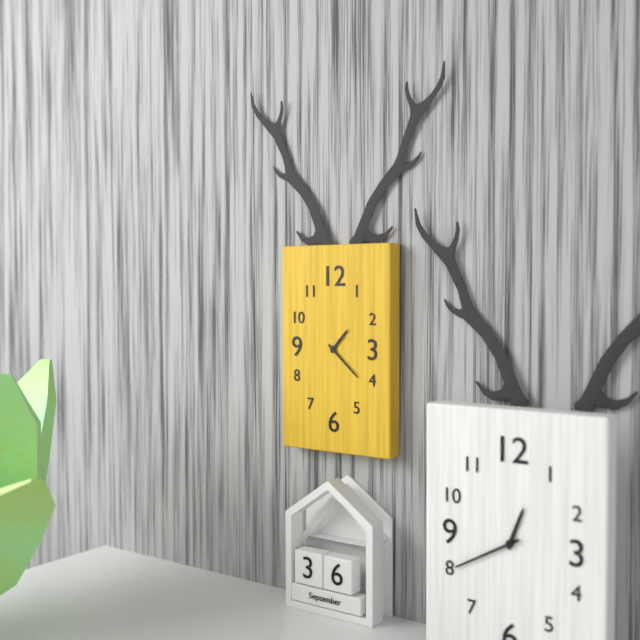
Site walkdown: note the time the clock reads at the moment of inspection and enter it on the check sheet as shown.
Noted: 1:22
